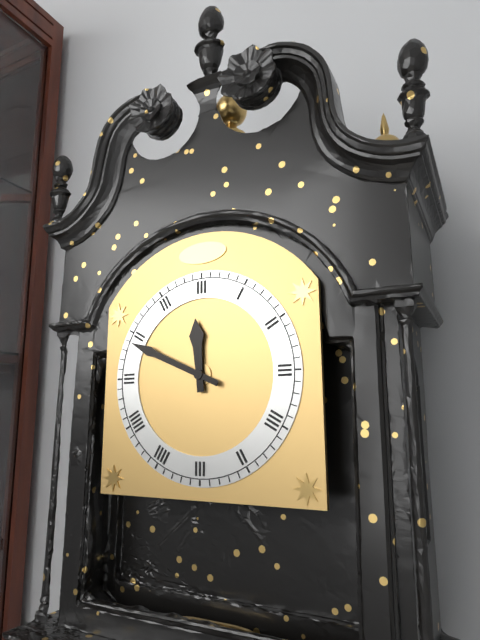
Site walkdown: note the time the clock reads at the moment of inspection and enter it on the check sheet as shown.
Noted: 11:49
